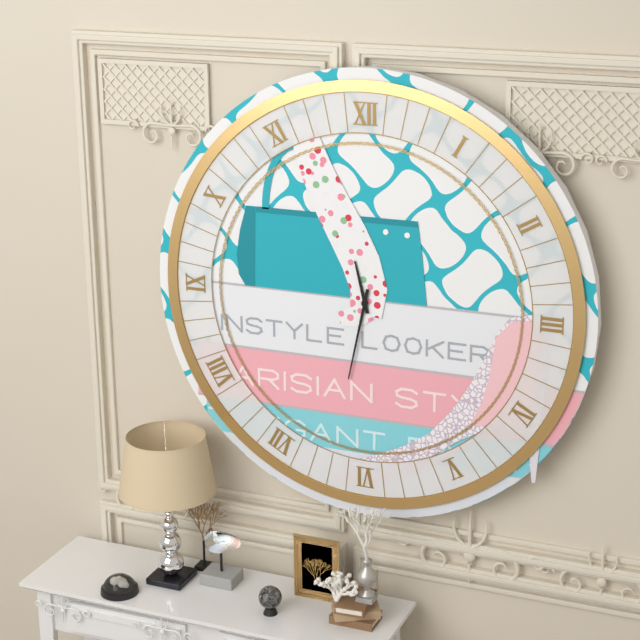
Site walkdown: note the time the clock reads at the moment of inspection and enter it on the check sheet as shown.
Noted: 11:32
